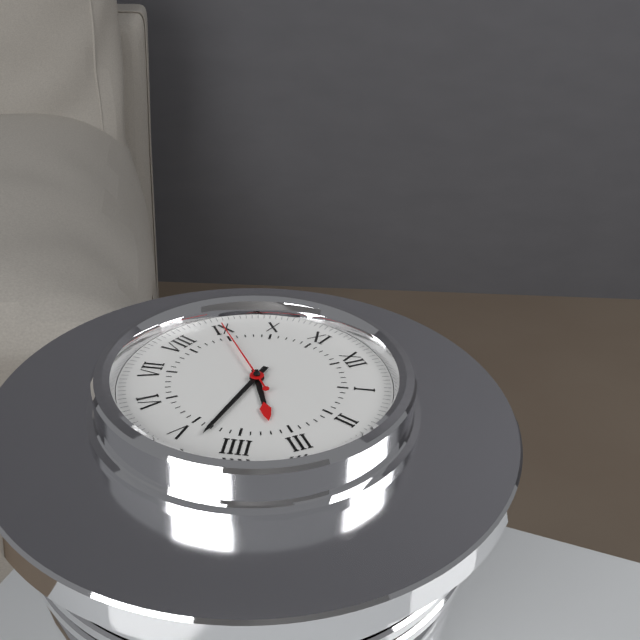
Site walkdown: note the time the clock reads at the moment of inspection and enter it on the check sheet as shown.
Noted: 3:23:45
